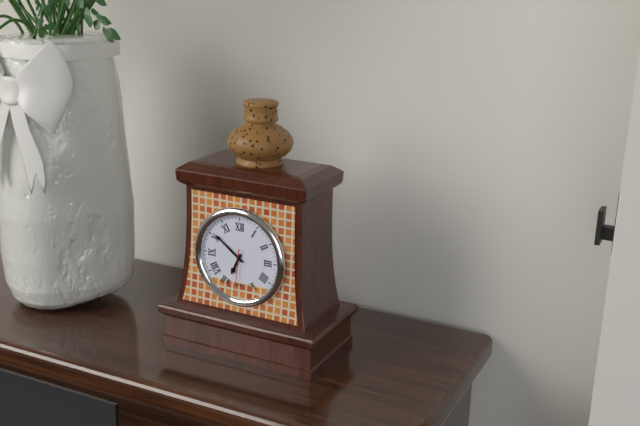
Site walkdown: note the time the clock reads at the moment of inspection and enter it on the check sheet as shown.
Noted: 6:51
